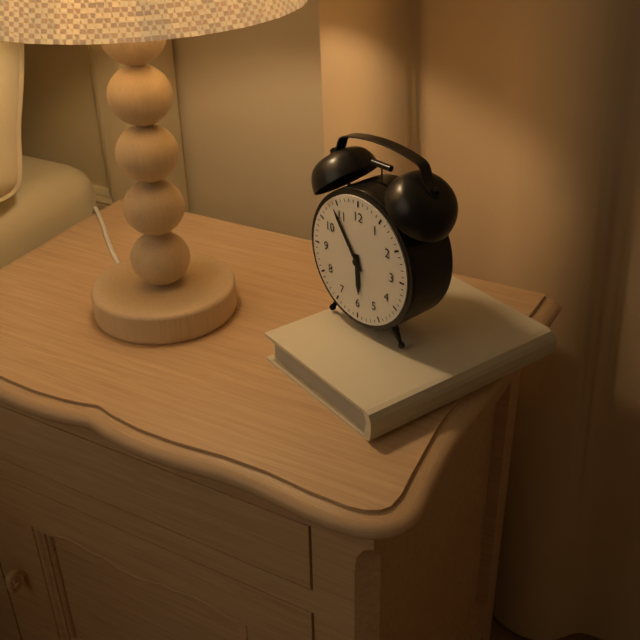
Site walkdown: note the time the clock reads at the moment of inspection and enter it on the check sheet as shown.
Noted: 5:54
